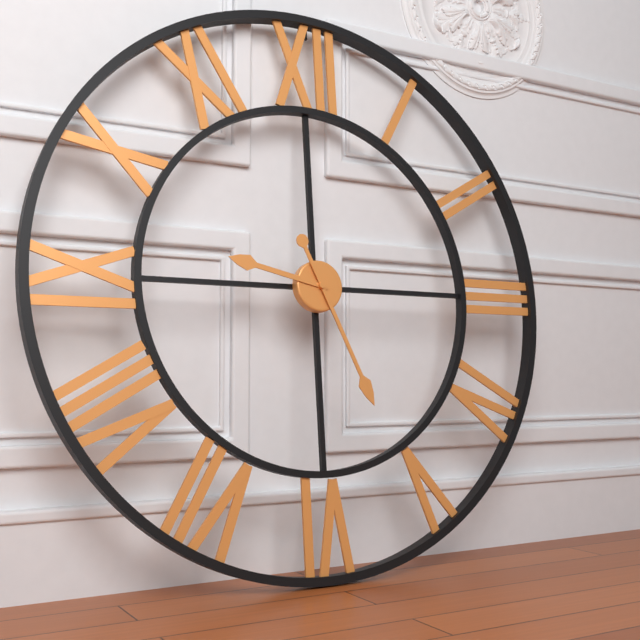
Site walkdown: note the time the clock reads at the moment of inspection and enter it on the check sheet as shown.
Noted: 9:26
